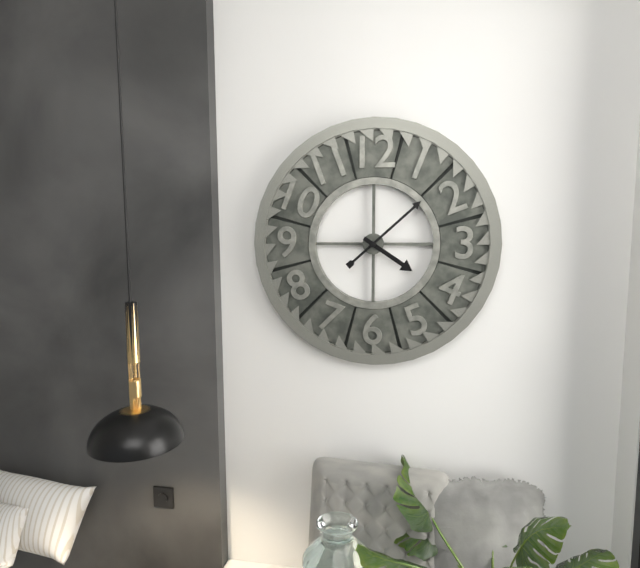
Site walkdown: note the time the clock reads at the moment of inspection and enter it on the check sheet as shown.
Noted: 4:08
